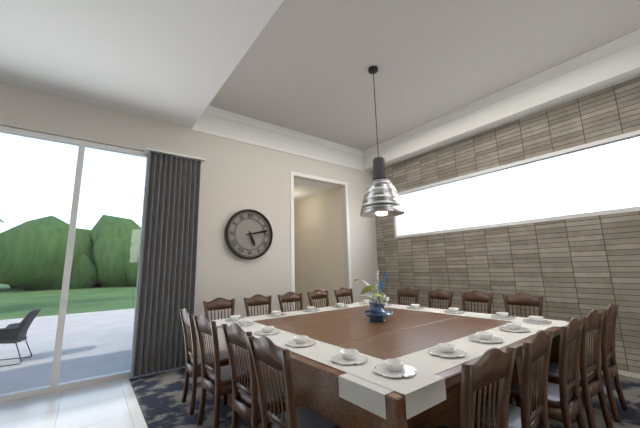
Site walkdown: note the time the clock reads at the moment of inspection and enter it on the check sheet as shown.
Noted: 5:13
